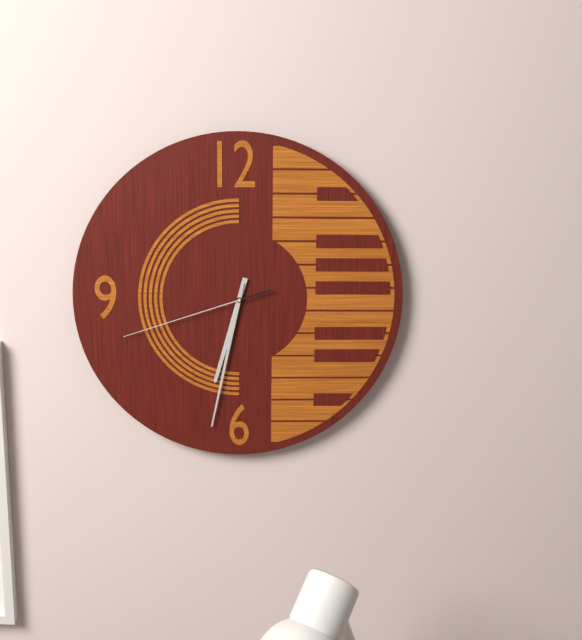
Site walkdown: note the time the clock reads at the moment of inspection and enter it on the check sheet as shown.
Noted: 6:32:42
